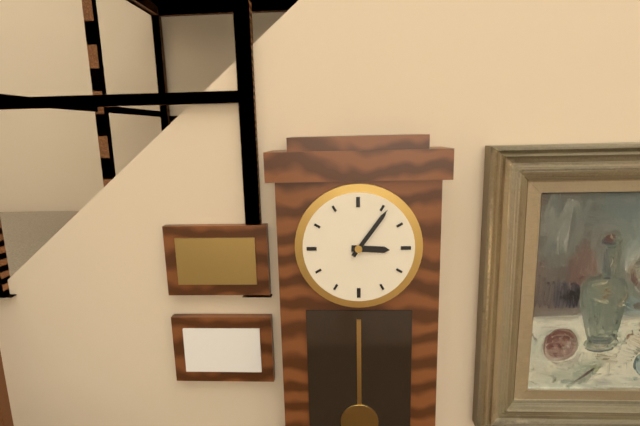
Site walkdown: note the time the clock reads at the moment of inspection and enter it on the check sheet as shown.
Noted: 3:06
